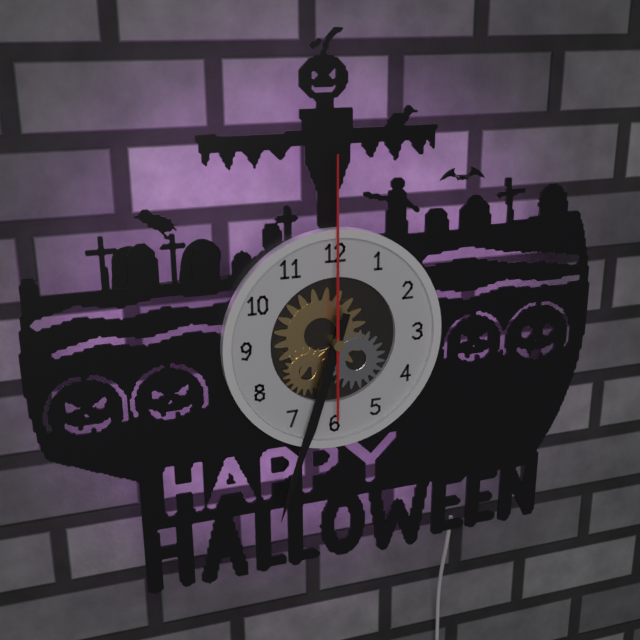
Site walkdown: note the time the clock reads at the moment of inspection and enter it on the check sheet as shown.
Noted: 6:33:00
